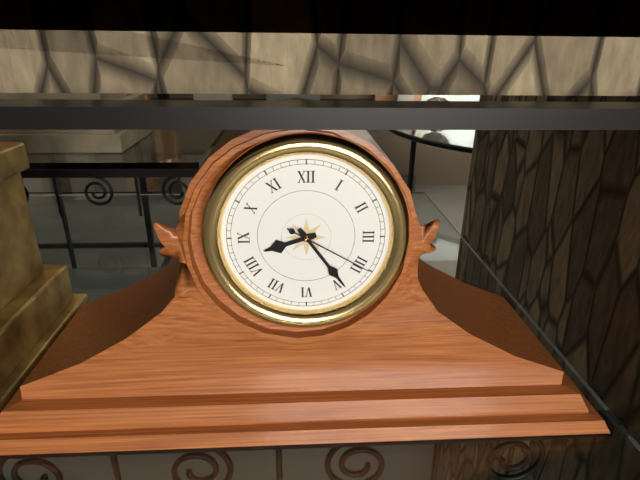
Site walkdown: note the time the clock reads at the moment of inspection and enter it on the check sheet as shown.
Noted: 8:24:20
